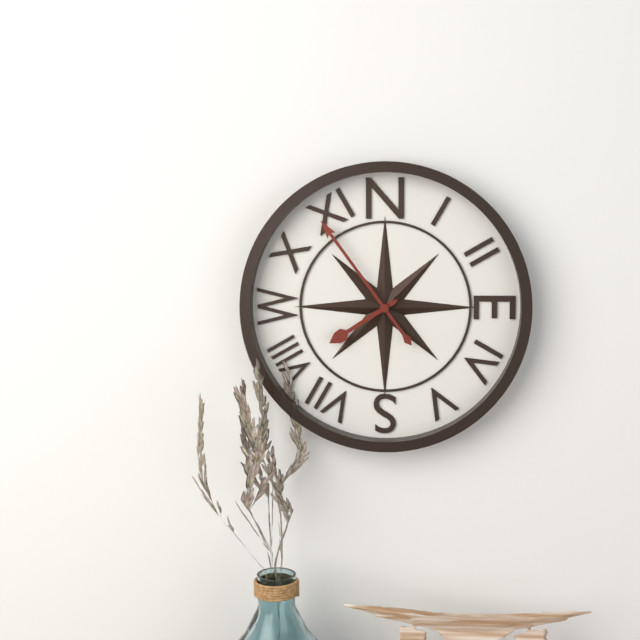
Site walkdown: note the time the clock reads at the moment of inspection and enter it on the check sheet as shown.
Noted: 7:54
